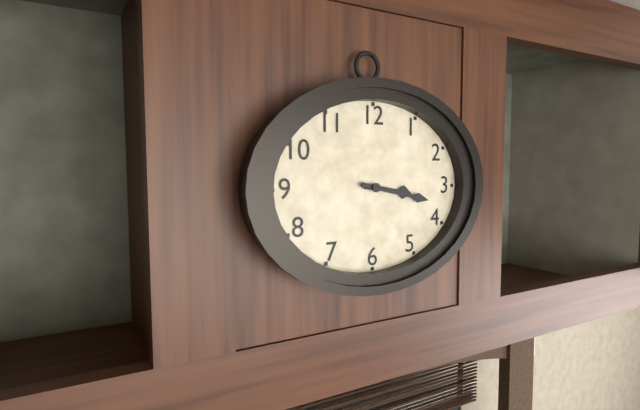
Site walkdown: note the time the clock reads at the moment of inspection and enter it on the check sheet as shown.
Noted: 3:17
